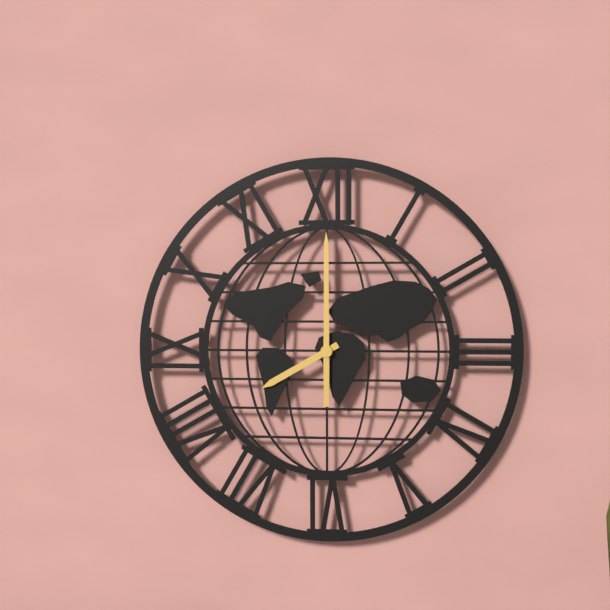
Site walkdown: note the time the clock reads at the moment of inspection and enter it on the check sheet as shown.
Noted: 8:00
